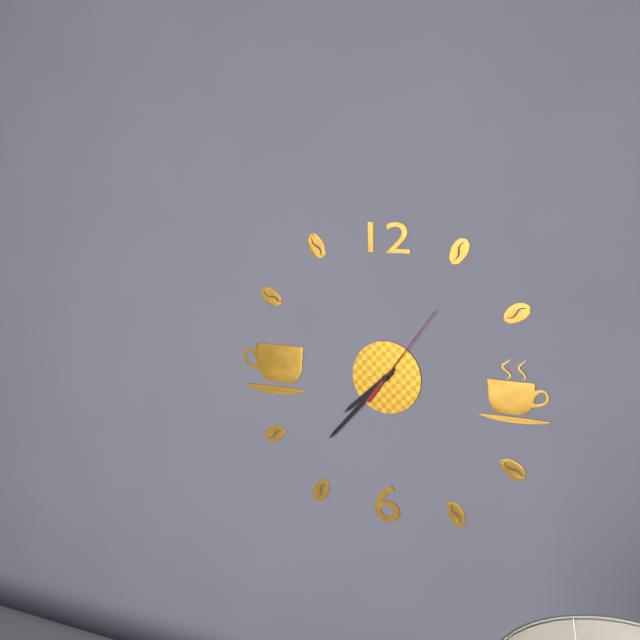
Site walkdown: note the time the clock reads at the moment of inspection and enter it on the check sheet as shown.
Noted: 7:37:06
